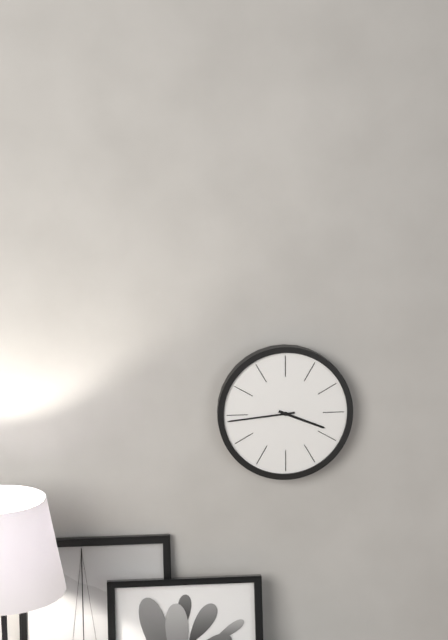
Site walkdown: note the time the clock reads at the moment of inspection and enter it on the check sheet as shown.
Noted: 3:44
